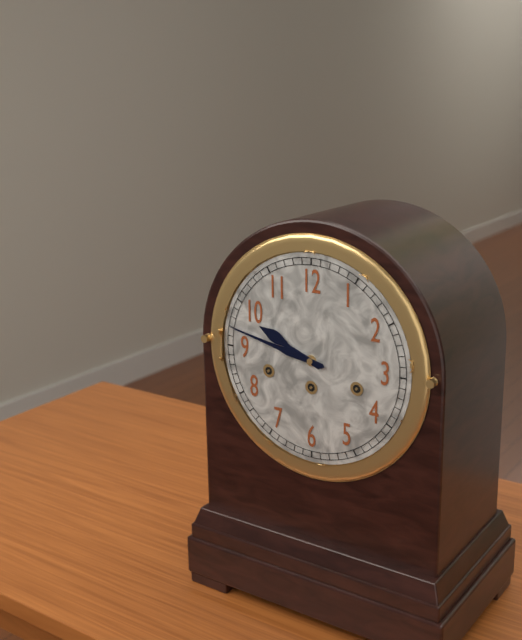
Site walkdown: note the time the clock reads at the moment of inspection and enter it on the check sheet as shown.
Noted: 9:47
